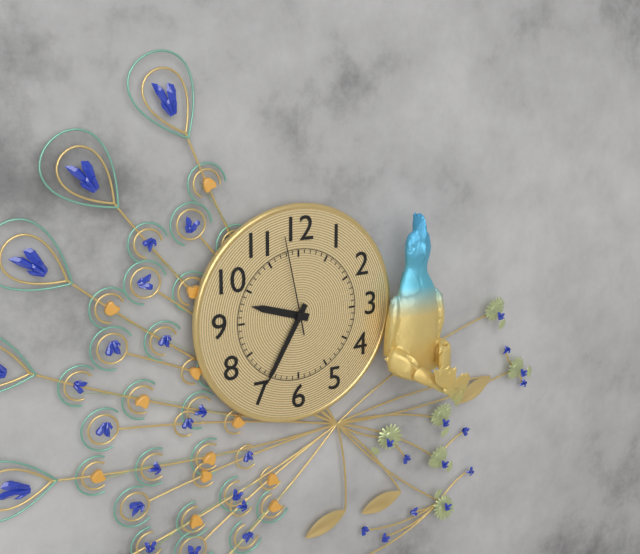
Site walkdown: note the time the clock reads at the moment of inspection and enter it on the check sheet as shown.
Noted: 9:35:58
